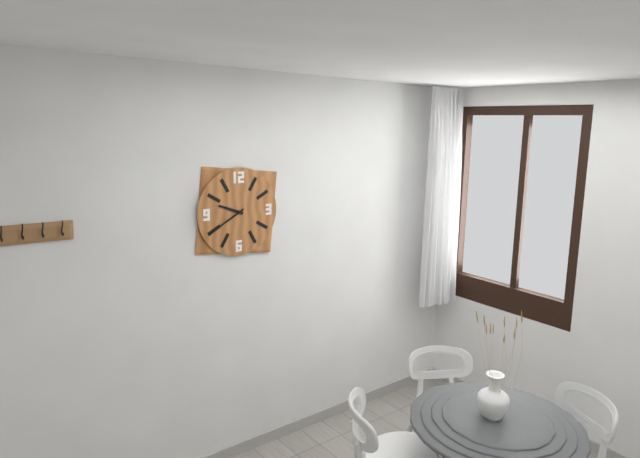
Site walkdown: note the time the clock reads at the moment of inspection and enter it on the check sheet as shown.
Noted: 9:40
